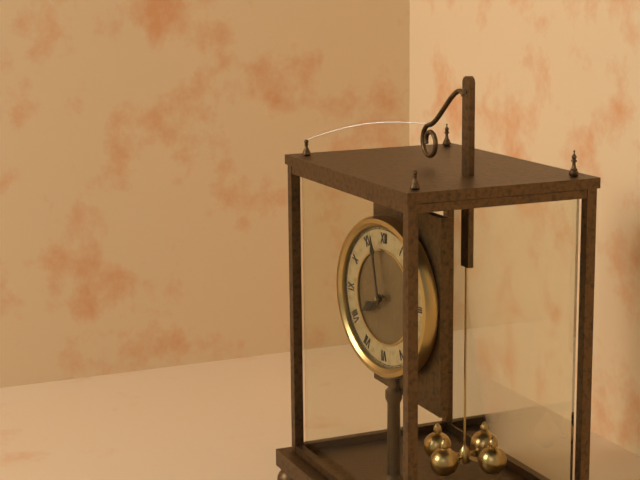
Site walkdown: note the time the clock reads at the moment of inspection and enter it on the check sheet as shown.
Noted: 7:58
